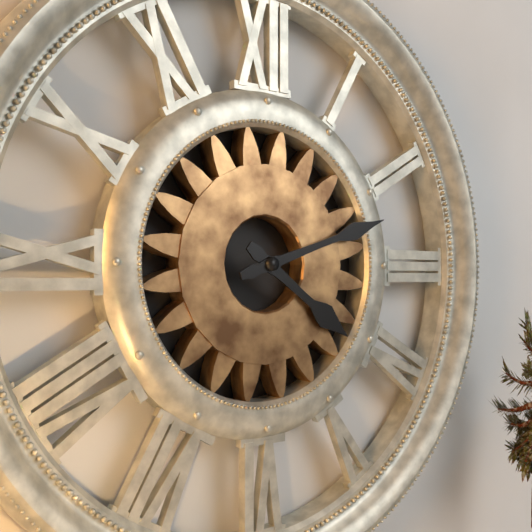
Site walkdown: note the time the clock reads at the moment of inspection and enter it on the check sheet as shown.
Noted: 4:12
